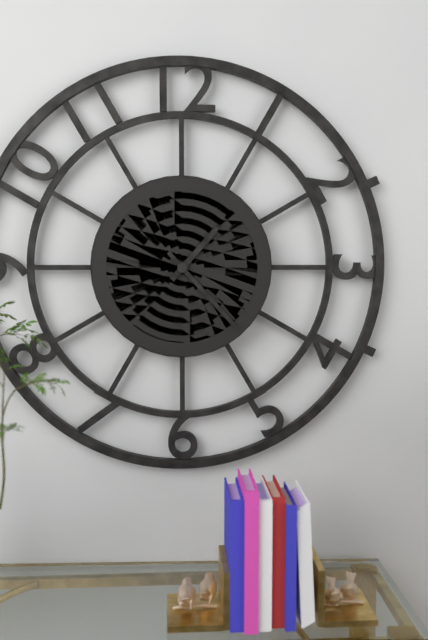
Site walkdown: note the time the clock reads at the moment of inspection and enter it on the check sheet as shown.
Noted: 1:23
